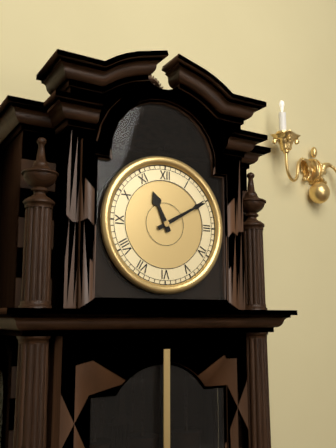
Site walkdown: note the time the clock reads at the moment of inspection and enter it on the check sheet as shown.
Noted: 11:10
